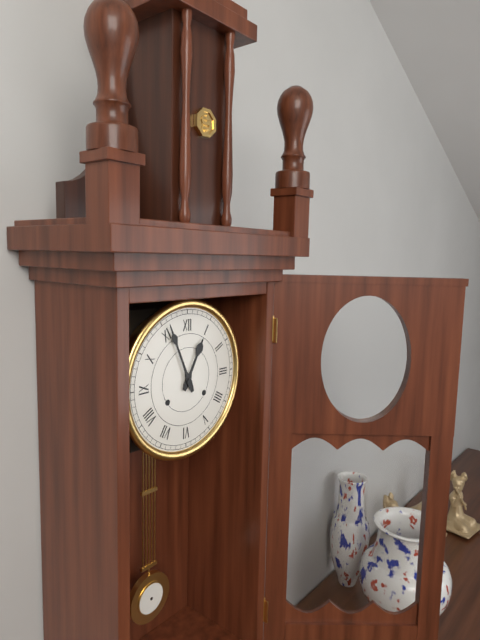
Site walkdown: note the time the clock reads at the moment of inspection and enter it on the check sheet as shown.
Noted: 12:56
